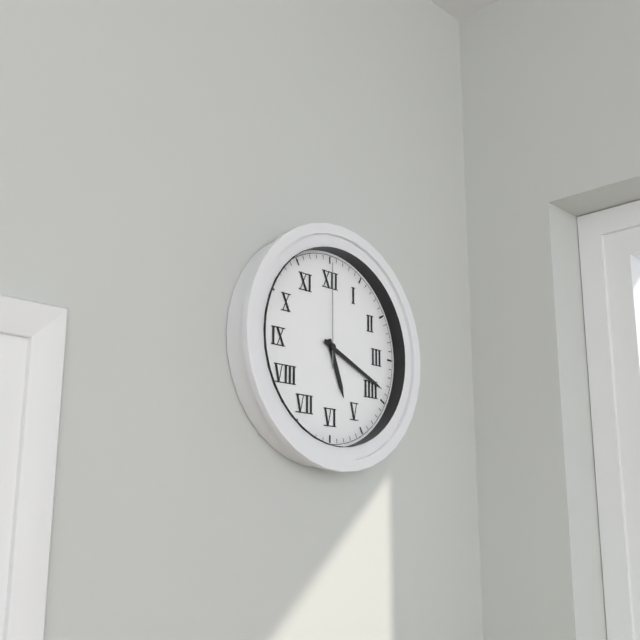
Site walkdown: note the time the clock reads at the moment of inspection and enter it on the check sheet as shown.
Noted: 5:19:00
